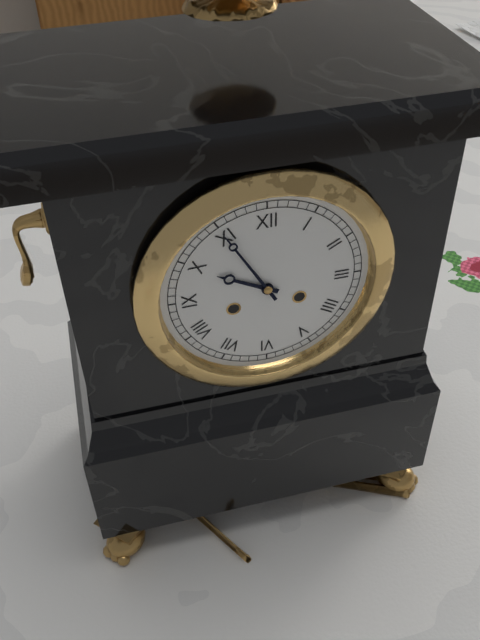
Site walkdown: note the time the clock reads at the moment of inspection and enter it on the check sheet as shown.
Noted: 9:55
